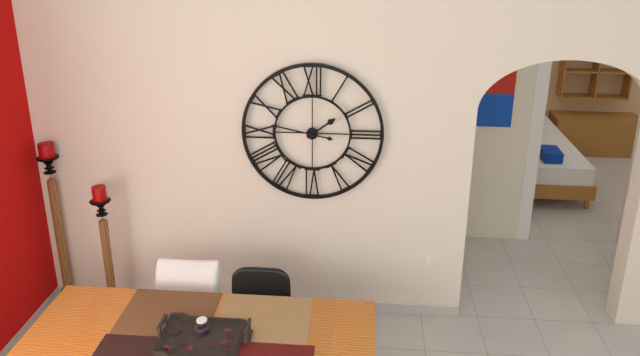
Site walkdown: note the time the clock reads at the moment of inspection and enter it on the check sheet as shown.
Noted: 1:47
